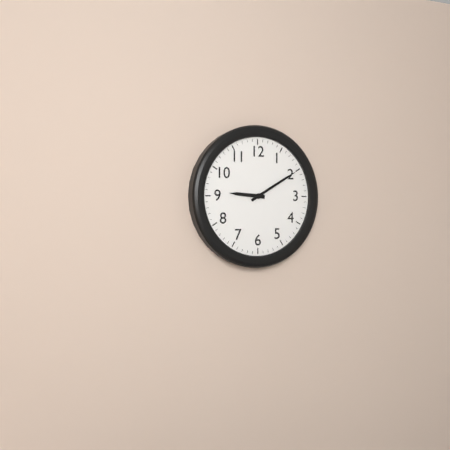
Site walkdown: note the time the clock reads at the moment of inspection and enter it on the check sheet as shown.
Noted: 9:10
